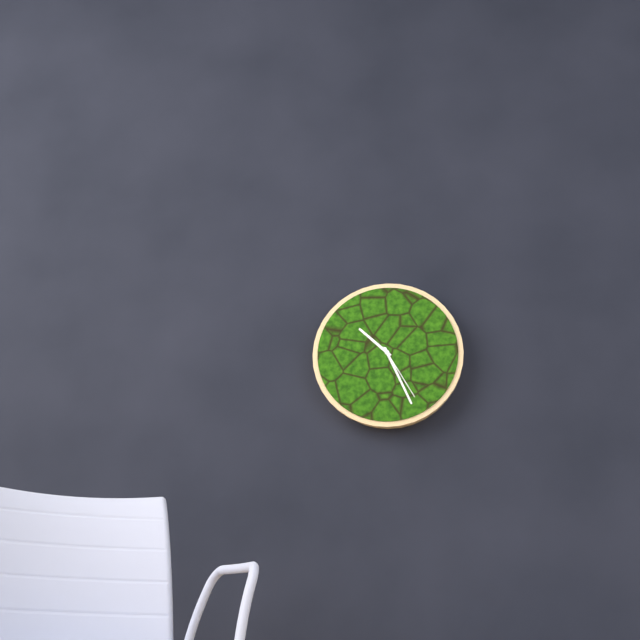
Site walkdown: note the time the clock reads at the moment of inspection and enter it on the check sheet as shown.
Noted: 10:26:25
